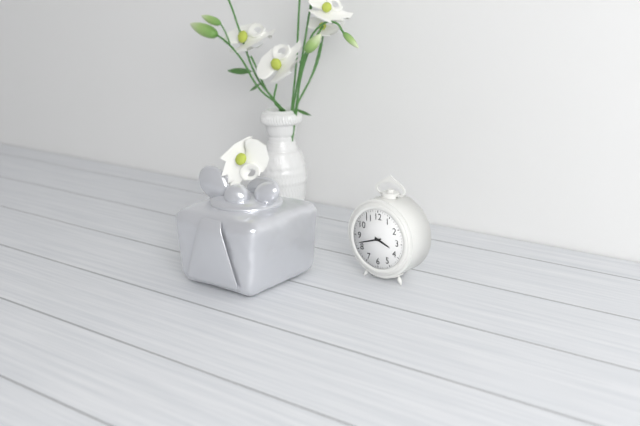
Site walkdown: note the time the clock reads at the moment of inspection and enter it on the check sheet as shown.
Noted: 3:42
